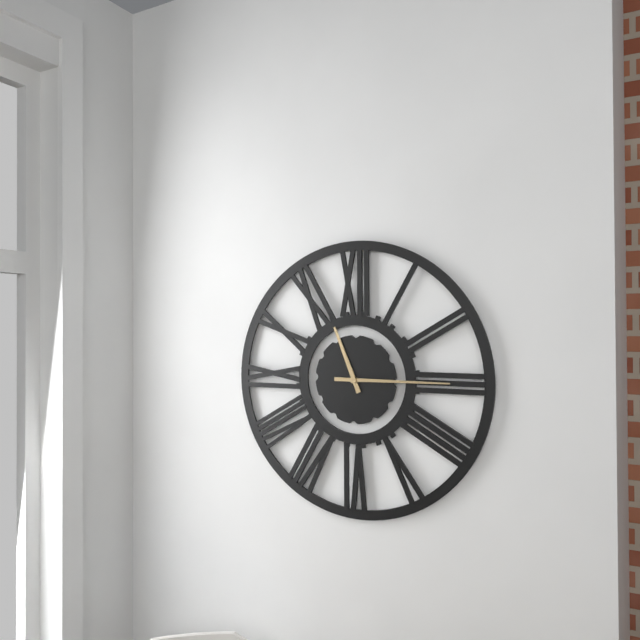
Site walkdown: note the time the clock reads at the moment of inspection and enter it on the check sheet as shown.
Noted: 11:15
